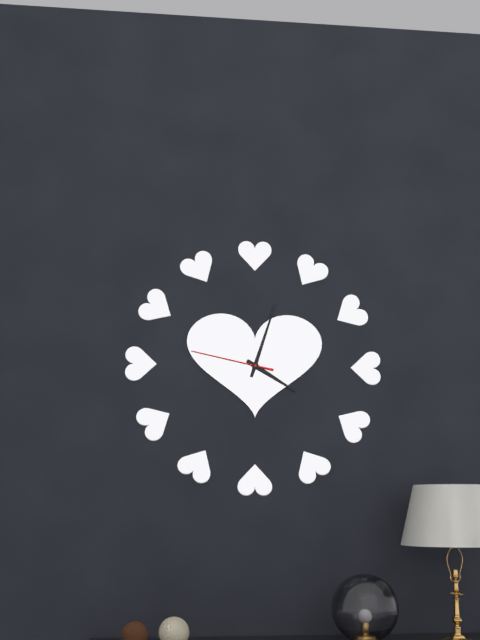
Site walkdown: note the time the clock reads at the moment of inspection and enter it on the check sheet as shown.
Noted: 4:03:47
